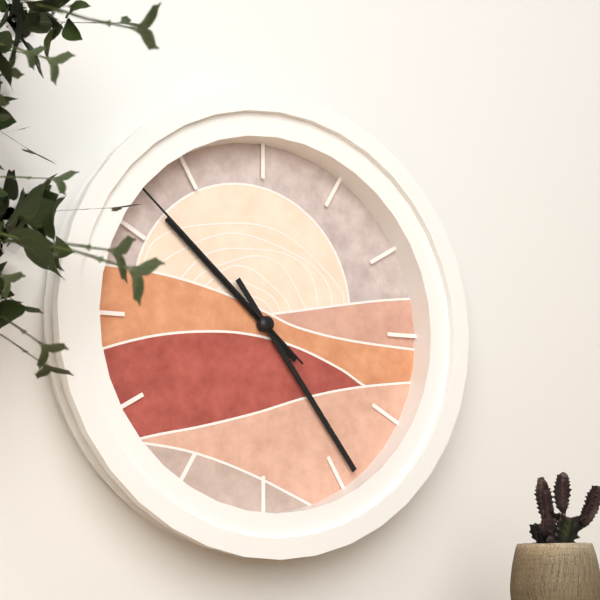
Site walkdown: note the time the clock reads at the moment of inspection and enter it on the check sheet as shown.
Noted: 10:24:52
